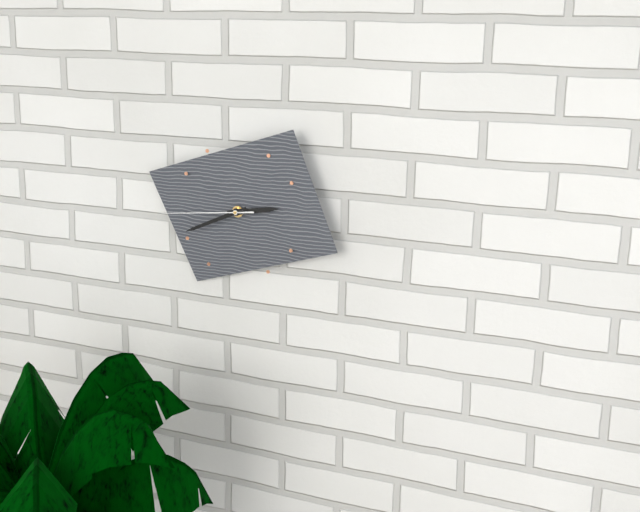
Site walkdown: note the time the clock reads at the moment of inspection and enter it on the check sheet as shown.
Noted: 2:41:44
